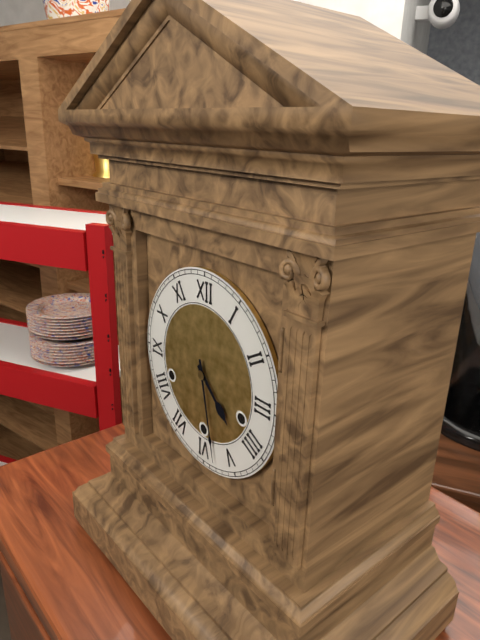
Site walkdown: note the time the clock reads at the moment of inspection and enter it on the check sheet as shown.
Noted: 4:28
